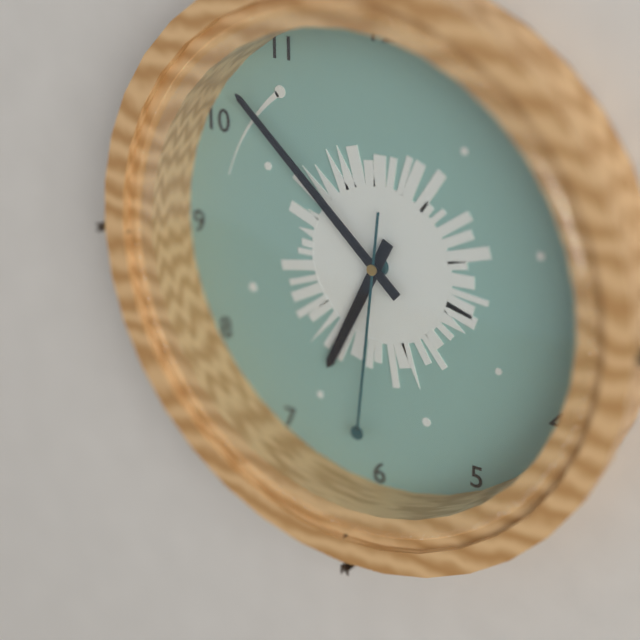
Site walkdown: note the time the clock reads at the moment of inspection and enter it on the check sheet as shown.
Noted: 6:52:31
